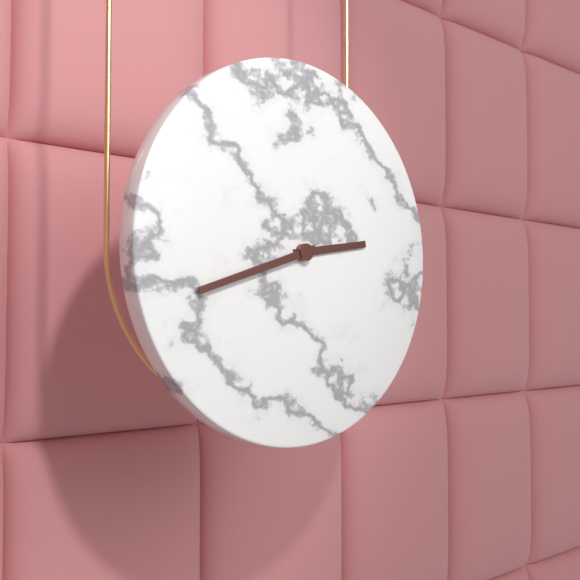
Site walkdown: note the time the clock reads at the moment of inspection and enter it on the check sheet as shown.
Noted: 2:42
